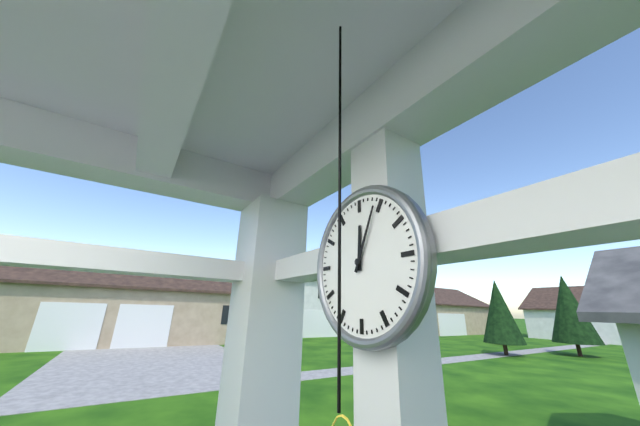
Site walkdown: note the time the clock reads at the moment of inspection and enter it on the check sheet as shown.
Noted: 12:04
